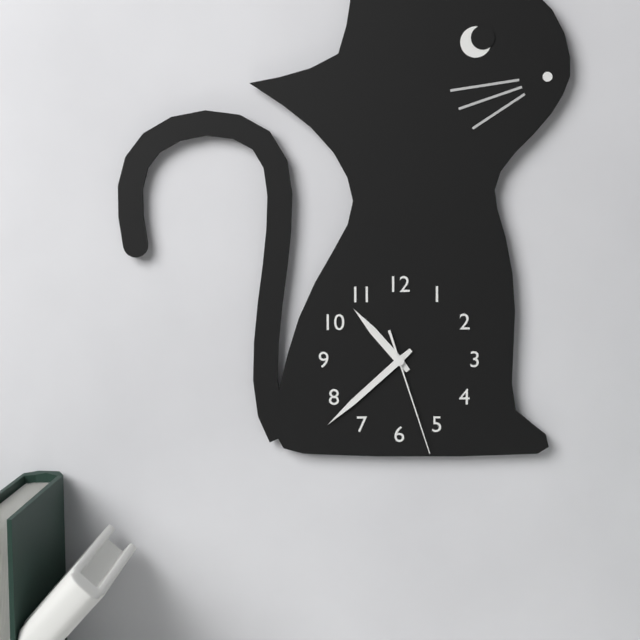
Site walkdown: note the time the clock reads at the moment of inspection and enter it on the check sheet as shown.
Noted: 10:38:27
